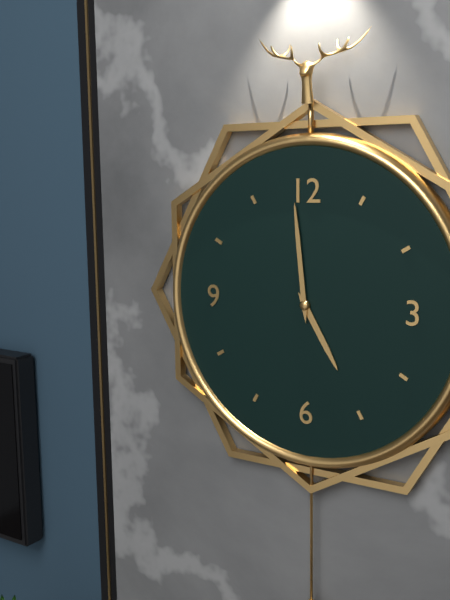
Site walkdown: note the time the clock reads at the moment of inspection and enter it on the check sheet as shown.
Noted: 4:59
